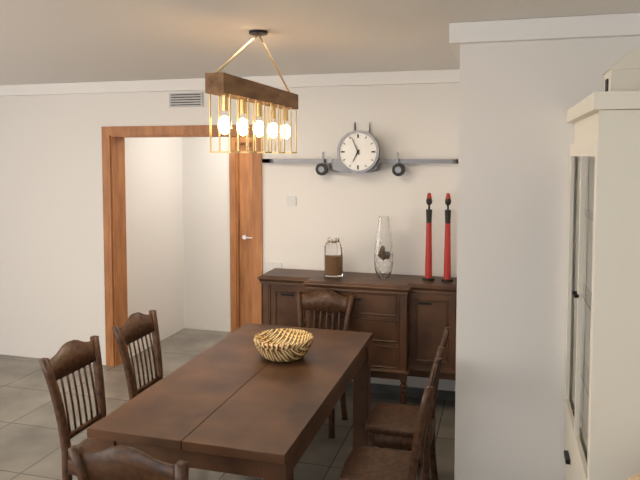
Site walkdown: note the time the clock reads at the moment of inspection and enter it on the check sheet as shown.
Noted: 6:56
